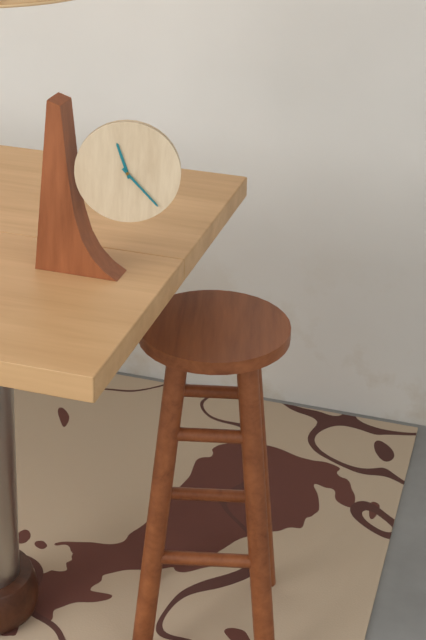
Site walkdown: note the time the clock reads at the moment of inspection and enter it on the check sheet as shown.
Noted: 11:23
